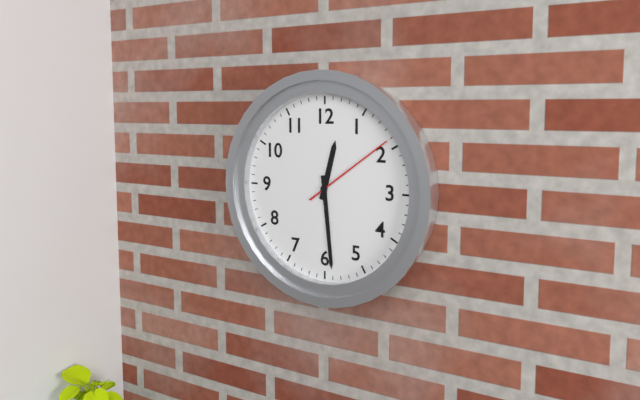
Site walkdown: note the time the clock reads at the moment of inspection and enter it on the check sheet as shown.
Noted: 12:29:09
